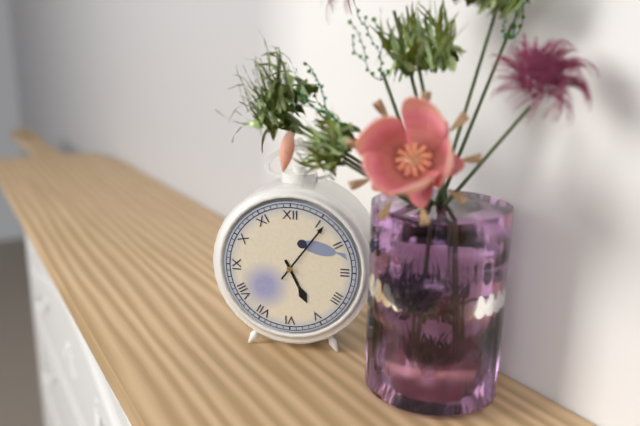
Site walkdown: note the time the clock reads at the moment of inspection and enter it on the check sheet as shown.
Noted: 5:06
